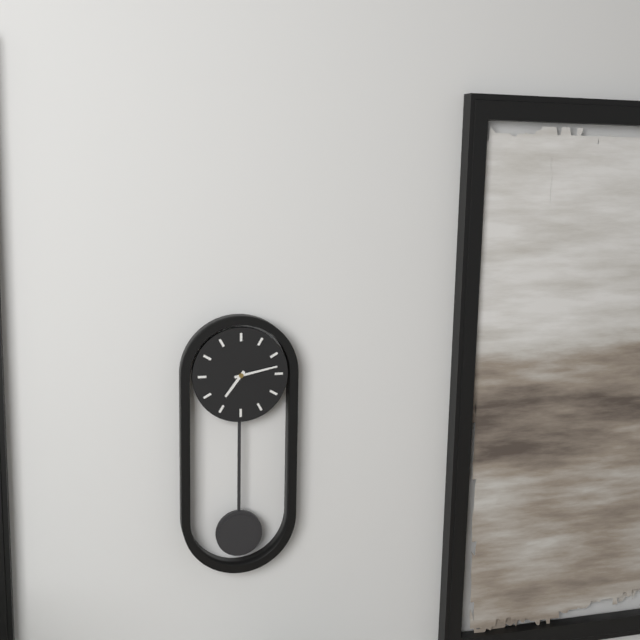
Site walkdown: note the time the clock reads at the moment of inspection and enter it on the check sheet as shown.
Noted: 7:13
